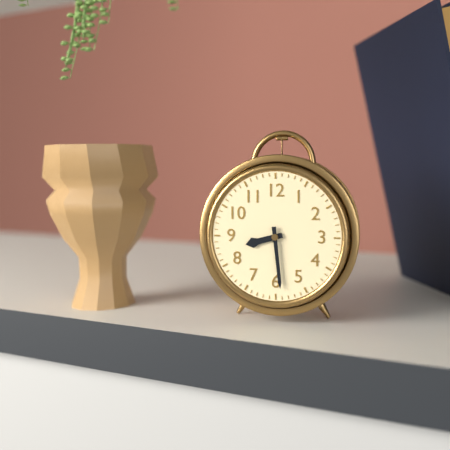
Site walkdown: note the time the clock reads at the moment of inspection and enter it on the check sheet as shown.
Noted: 8:29
